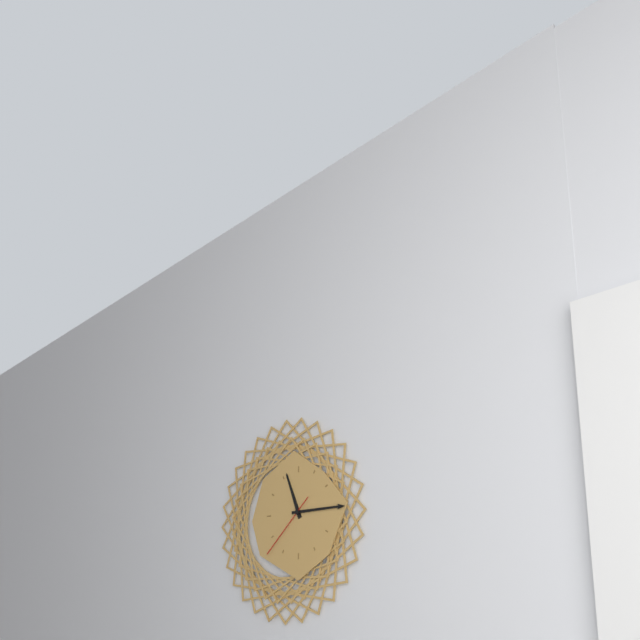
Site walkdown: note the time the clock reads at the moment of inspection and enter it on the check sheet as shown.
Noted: 11:15:38
